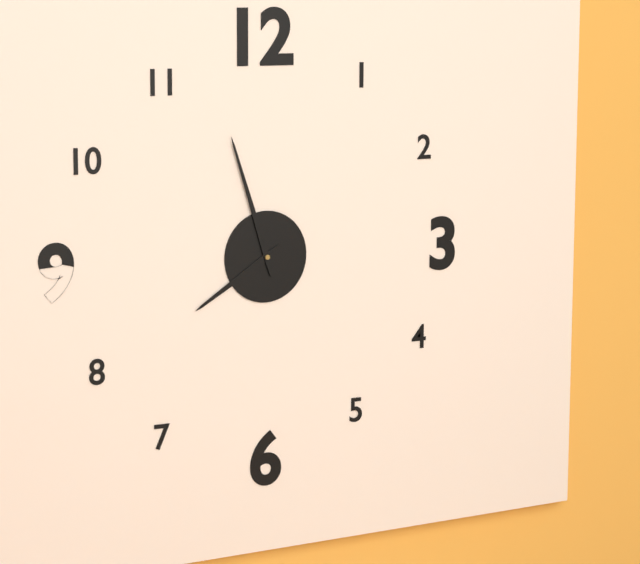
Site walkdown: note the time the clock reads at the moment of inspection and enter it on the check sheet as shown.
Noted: 7:57
